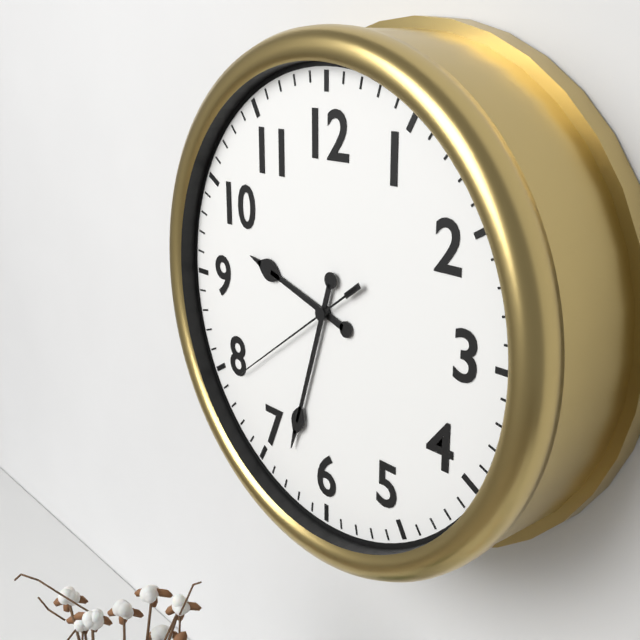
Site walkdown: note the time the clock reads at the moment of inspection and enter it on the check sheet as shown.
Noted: 9:33:39
